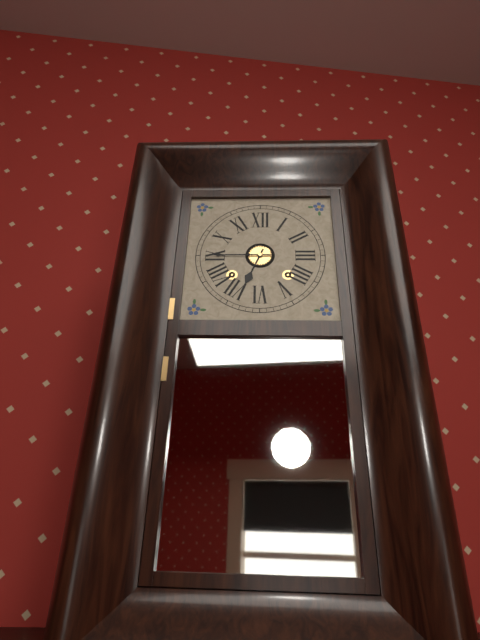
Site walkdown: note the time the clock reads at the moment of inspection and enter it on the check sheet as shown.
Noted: 6:45
